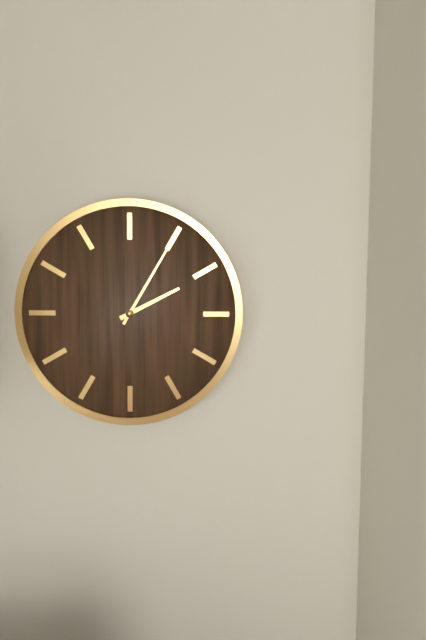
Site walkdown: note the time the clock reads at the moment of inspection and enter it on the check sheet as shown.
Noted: 2:05
